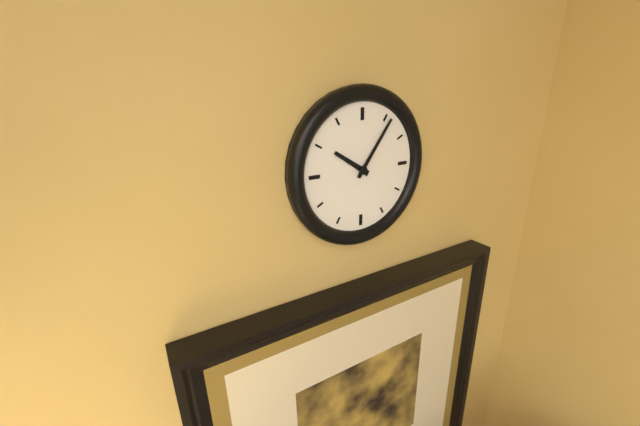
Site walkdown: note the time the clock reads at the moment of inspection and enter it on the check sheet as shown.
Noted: 10:06
